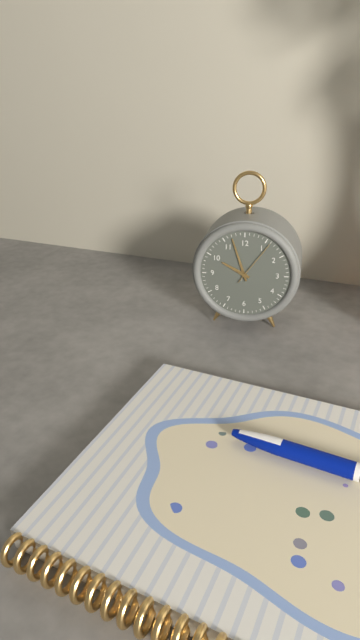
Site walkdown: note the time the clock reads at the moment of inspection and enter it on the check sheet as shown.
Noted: 9:57
